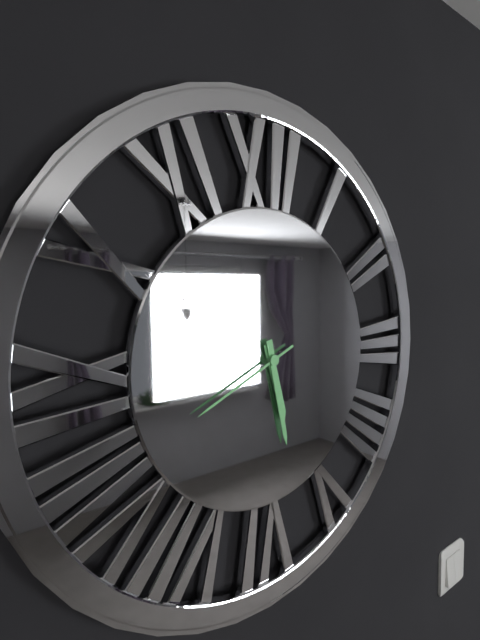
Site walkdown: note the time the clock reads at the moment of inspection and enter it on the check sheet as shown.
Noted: 5:28:41
